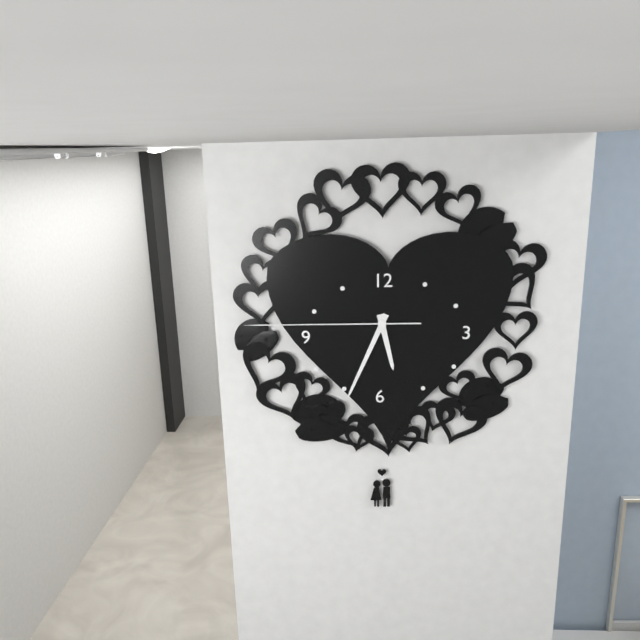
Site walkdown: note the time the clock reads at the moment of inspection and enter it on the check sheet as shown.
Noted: 5:34:45
